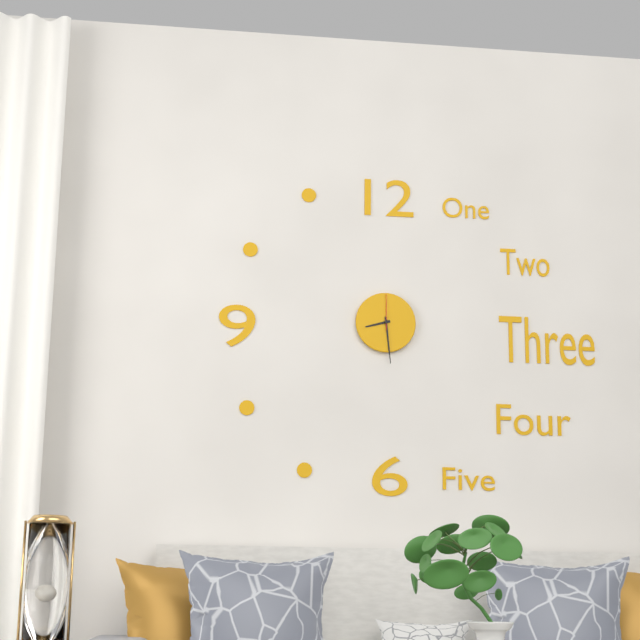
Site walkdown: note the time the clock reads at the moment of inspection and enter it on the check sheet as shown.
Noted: 8:29
